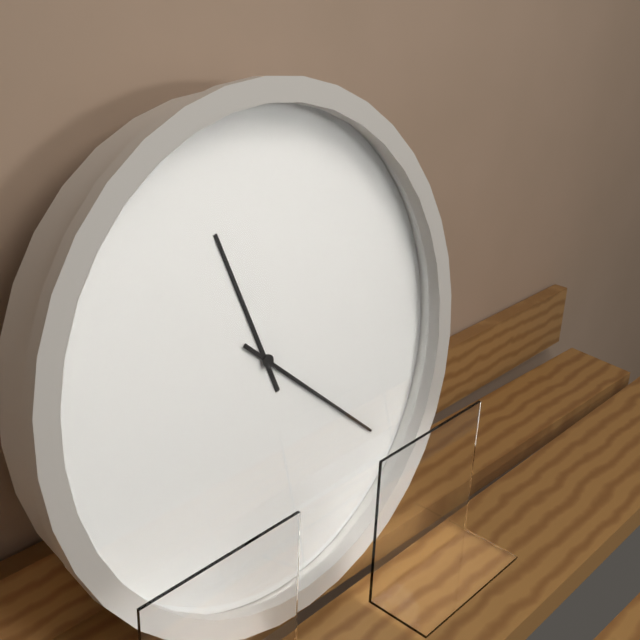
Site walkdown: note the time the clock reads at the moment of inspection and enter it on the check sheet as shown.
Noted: 11:22
